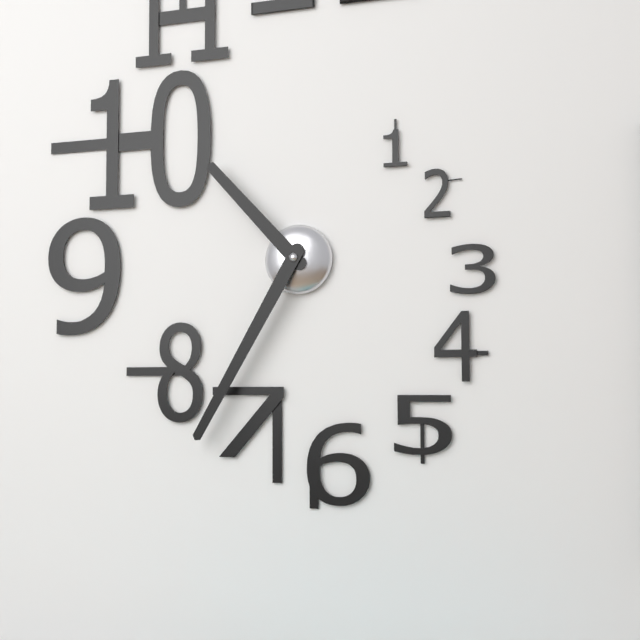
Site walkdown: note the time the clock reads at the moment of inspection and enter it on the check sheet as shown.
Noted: 10:35
